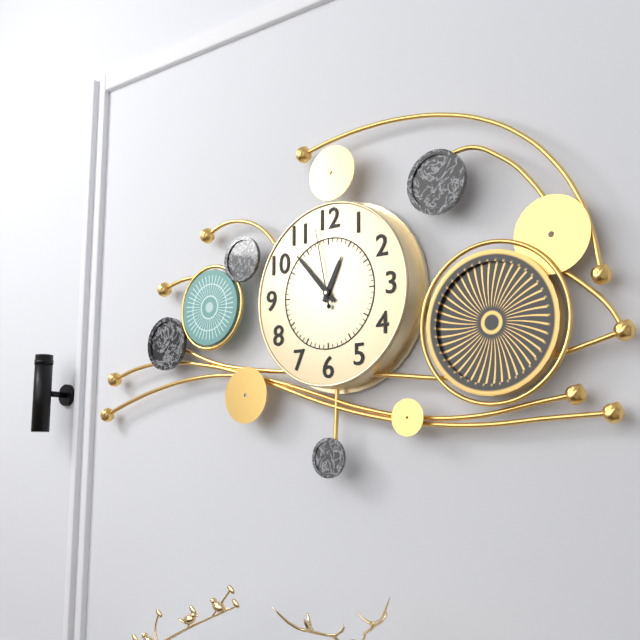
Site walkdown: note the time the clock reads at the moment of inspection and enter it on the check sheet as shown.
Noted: 12:53:58
